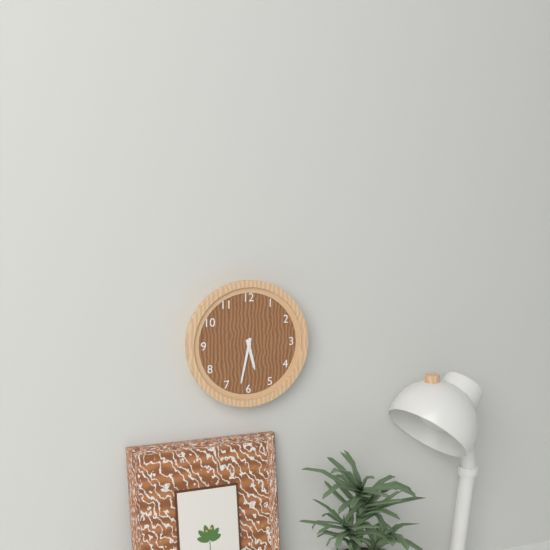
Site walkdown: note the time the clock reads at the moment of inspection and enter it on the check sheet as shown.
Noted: 5:32
